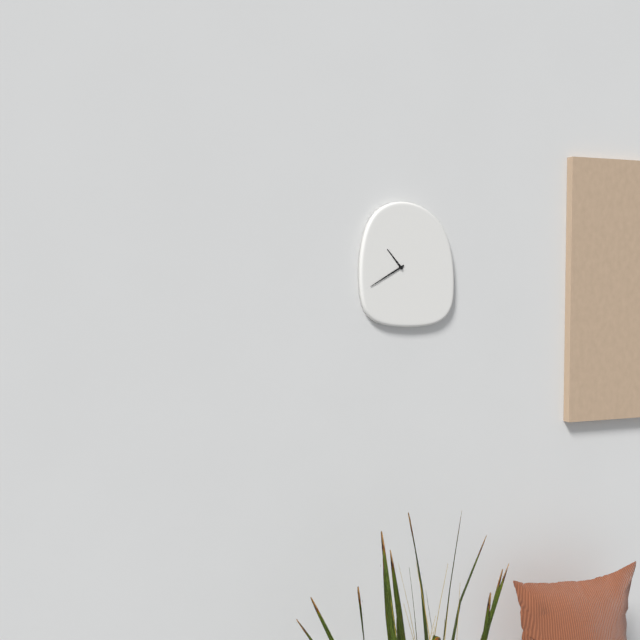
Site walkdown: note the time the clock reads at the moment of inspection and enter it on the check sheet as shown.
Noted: 10:40
